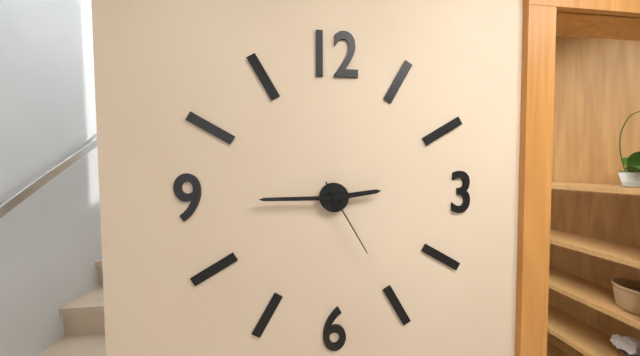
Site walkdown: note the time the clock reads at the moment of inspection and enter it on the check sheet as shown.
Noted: 2:45:25
